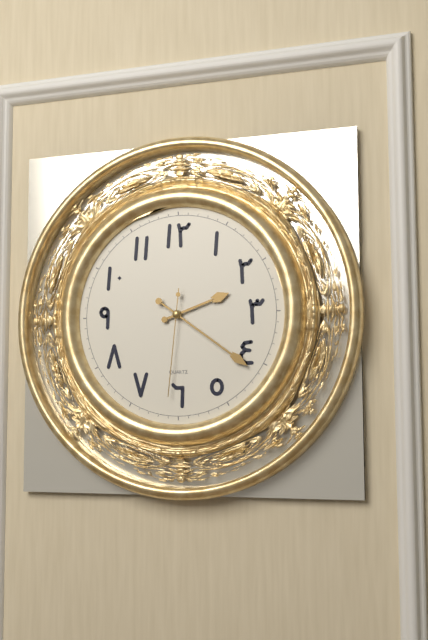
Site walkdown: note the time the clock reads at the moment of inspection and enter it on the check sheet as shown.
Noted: 2:21:31
